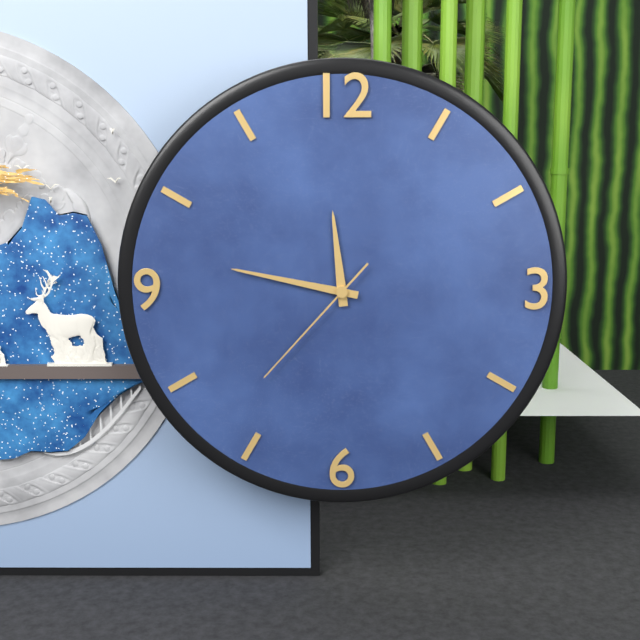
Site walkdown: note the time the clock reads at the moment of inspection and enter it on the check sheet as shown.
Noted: 11:47:37
